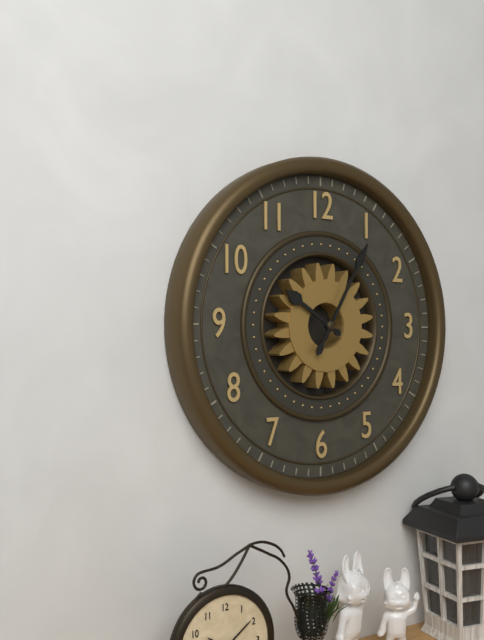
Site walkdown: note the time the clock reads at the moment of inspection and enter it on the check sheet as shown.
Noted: 10:05
